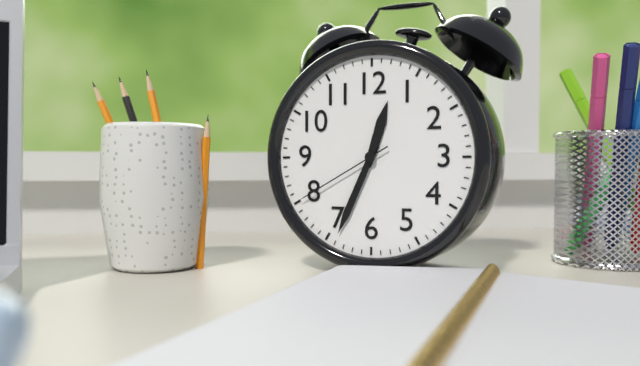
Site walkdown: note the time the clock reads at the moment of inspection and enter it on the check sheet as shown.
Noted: 12:34:40
